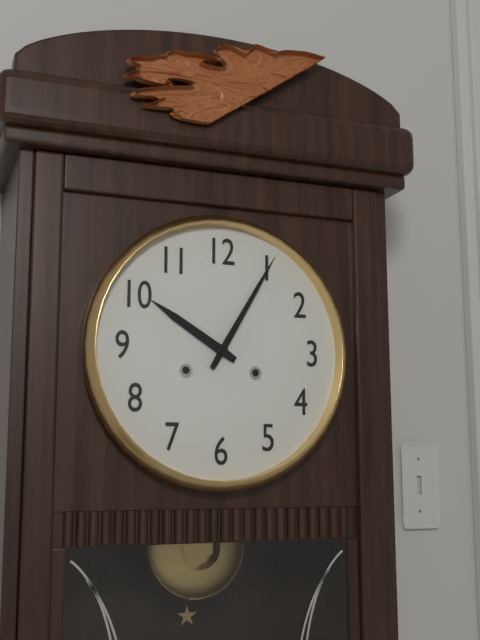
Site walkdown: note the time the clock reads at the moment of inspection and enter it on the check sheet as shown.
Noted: 10:05
